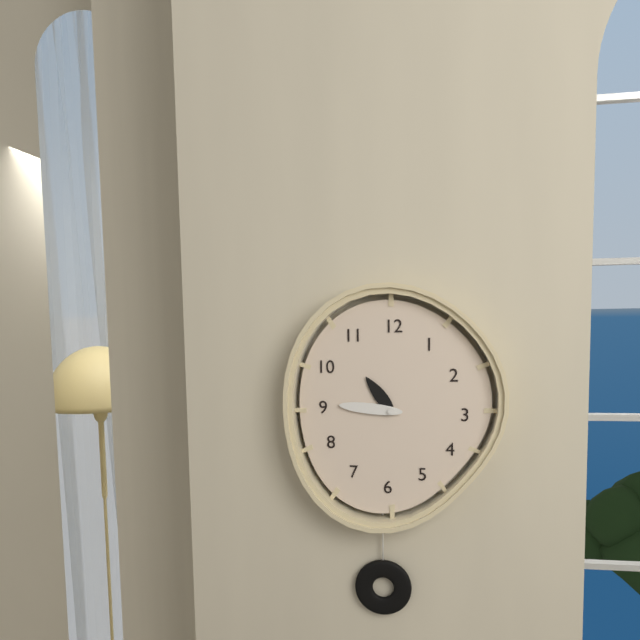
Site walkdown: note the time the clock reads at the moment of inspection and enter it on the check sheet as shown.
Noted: 10:46
